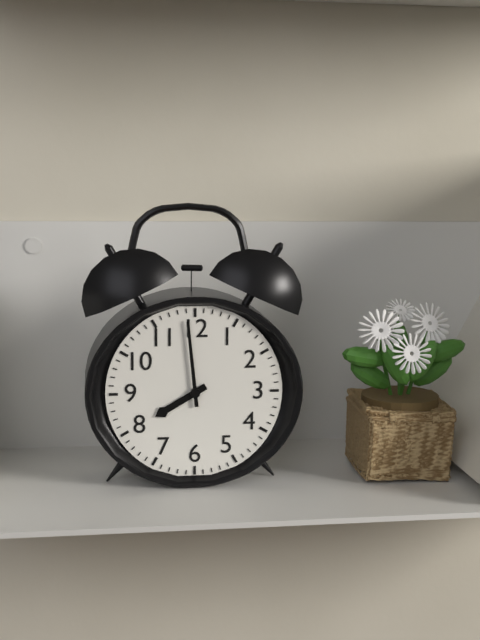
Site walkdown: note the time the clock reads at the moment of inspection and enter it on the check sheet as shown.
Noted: 7:59
